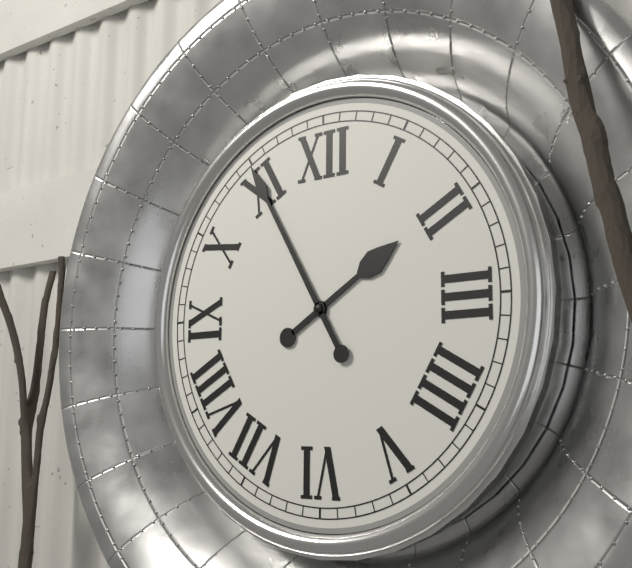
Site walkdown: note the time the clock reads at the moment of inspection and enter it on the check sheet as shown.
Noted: 1:55
